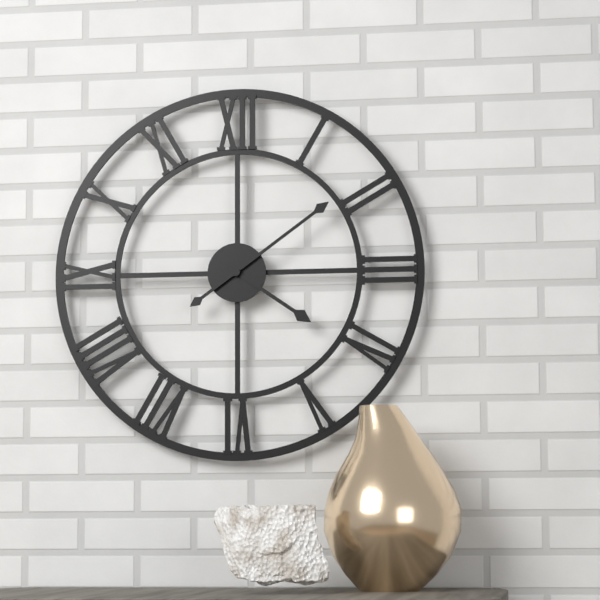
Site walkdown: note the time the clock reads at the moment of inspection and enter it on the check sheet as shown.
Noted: 4:09
